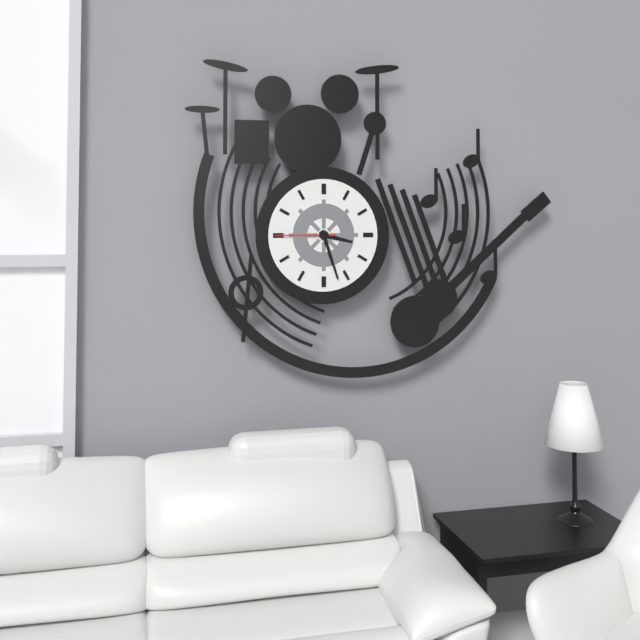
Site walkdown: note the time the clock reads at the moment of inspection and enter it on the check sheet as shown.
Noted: 3:27:45
